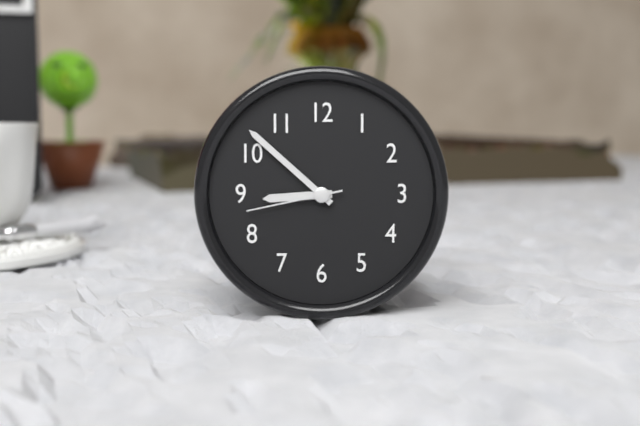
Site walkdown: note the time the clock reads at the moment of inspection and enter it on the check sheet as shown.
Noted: 8:52:43
